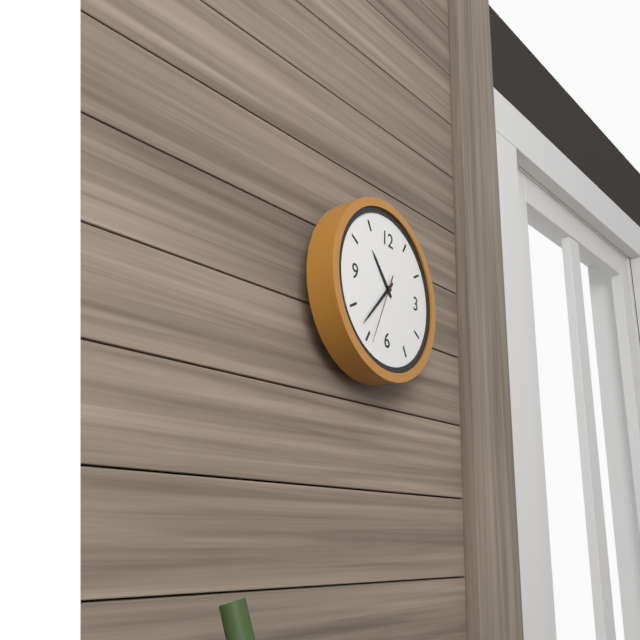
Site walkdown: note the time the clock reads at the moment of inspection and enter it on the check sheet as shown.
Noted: 10:37:34
